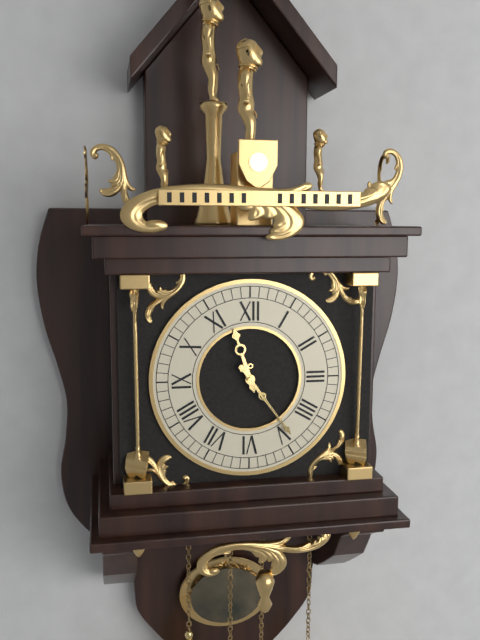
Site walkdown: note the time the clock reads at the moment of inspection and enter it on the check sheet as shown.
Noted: 11:24
